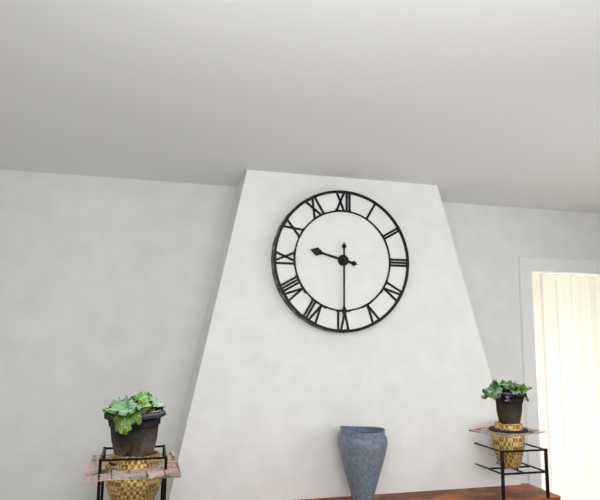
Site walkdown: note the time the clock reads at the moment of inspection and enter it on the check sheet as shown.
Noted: 9:30
